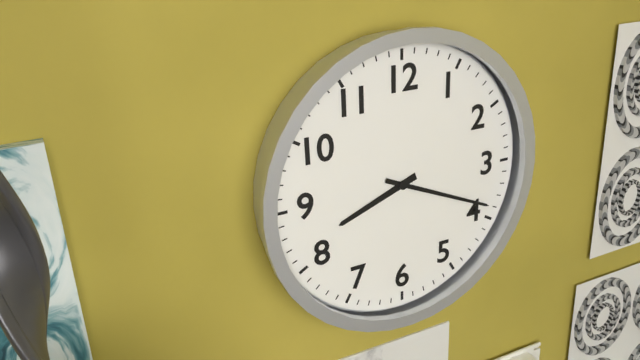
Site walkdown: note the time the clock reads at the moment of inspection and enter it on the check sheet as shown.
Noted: 8:19
